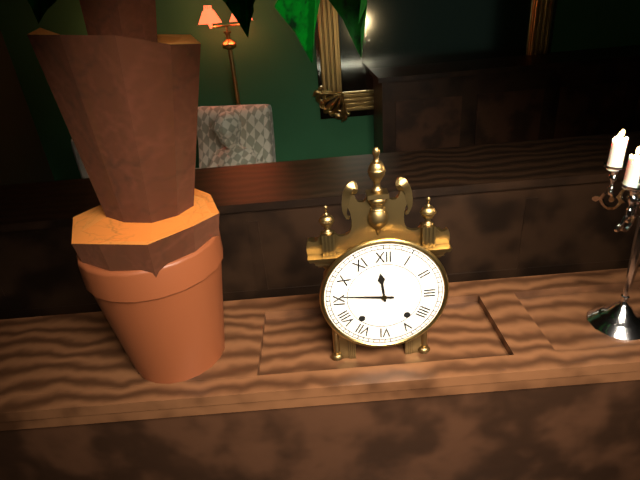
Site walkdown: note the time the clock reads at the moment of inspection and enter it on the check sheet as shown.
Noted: 11:46
